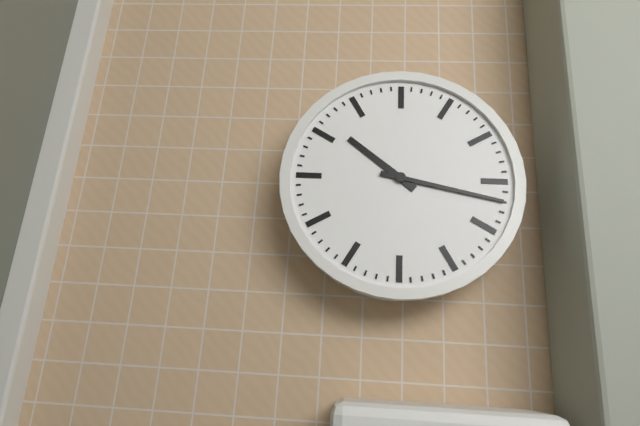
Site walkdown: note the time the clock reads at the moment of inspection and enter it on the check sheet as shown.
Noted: 10:17
